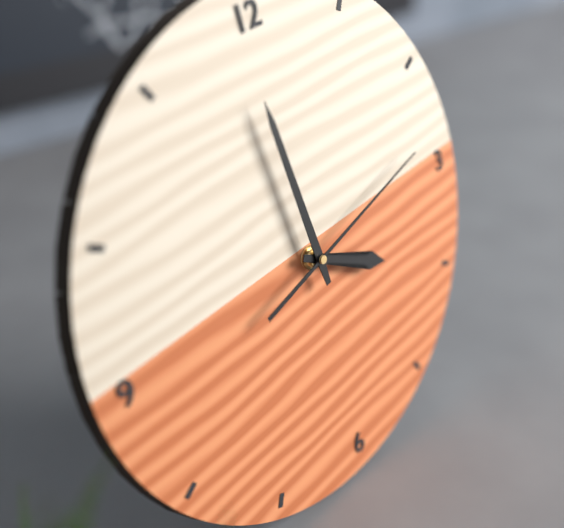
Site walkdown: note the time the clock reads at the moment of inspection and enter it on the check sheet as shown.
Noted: 3:59:13
